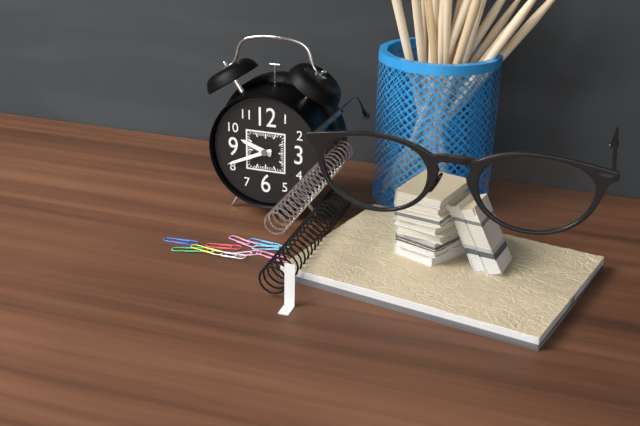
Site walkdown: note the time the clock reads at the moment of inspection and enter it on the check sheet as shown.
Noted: 9:41
